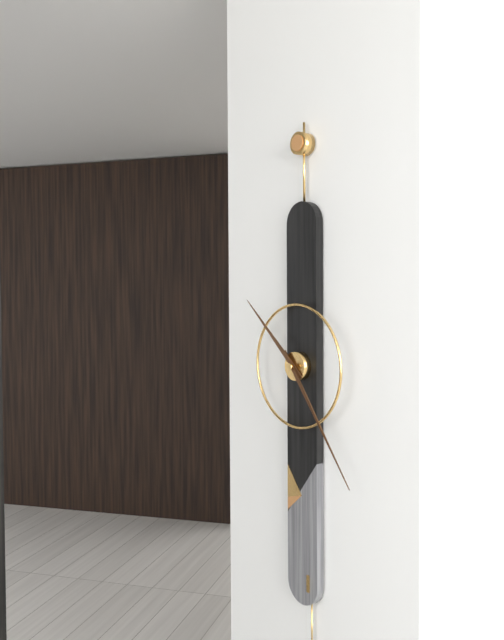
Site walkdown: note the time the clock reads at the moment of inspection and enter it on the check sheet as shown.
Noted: 10:24
